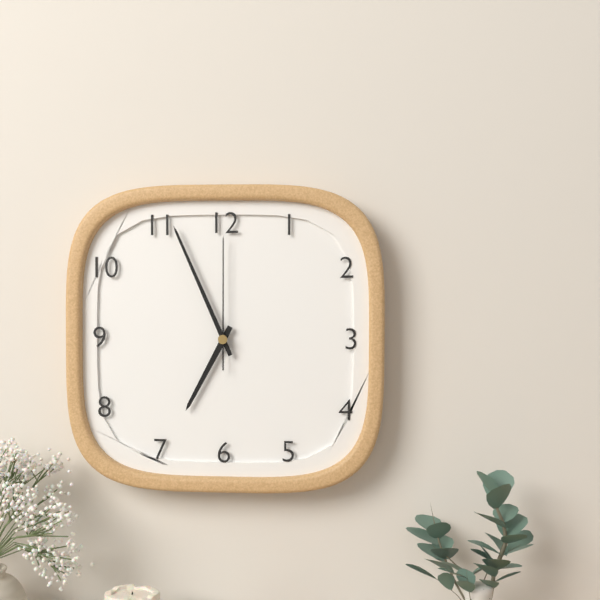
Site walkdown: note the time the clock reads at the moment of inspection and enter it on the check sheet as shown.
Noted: 6:56:00
